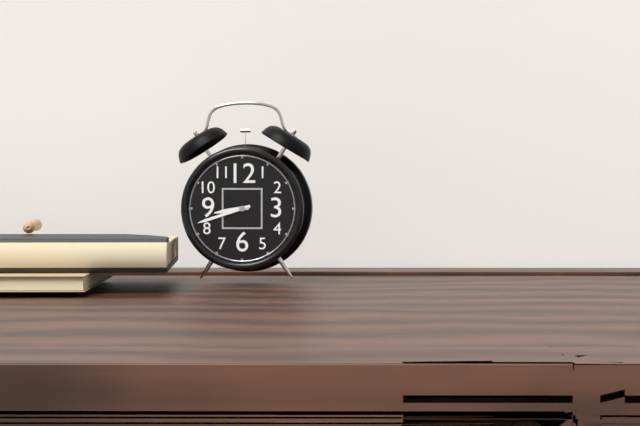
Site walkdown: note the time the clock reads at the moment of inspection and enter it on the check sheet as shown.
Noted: 8:42
